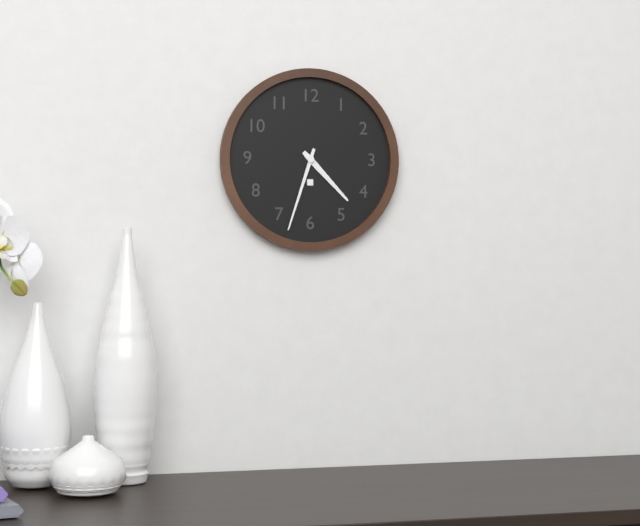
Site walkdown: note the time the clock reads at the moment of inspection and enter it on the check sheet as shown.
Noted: 4:33
